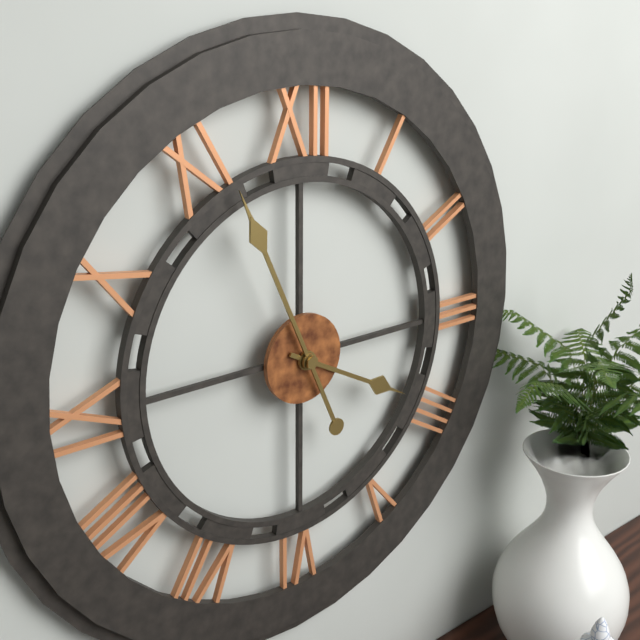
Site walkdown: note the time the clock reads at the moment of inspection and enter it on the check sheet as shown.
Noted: 3:56
